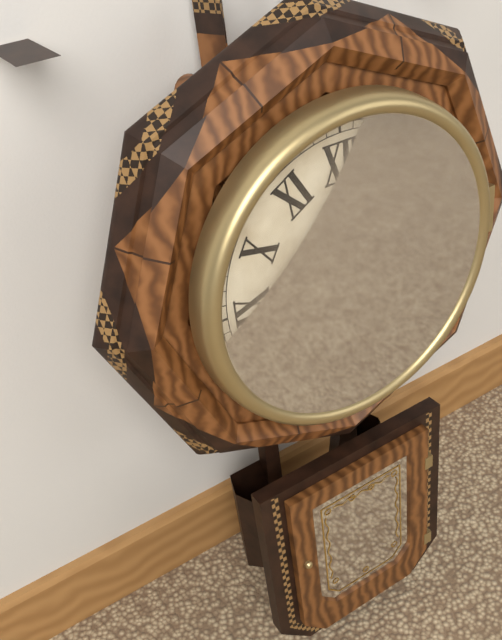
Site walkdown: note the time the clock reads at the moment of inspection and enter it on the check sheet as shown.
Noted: 2:35
